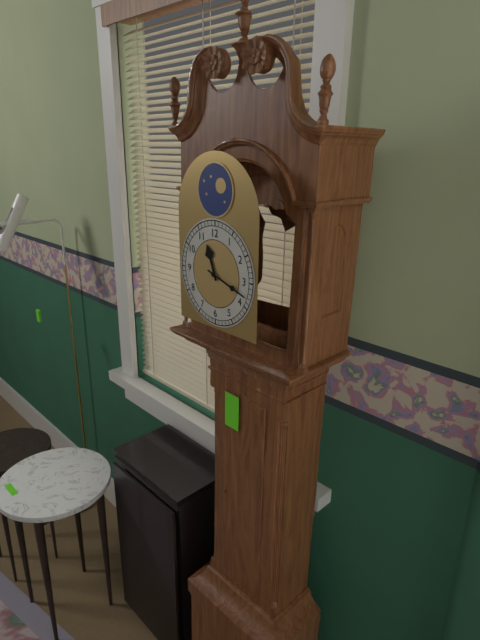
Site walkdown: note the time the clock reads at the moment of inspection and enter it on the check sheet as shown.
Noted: 11:18
